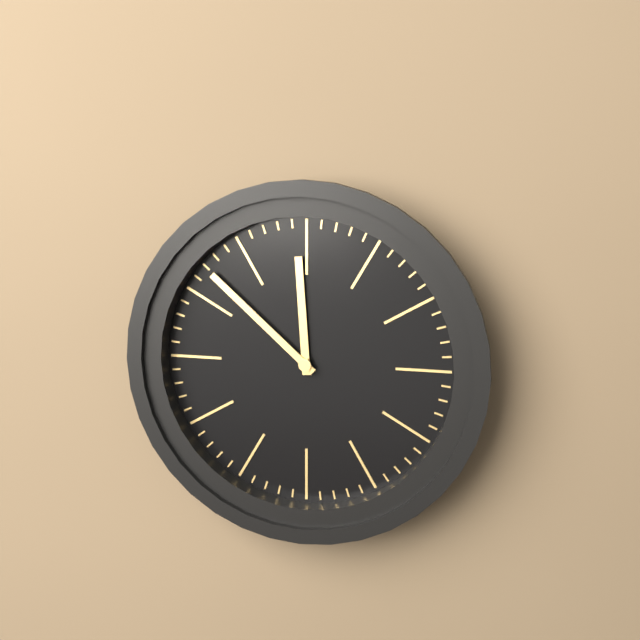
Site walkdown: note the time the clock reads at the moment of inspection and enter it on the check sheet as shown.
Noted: 11:52
